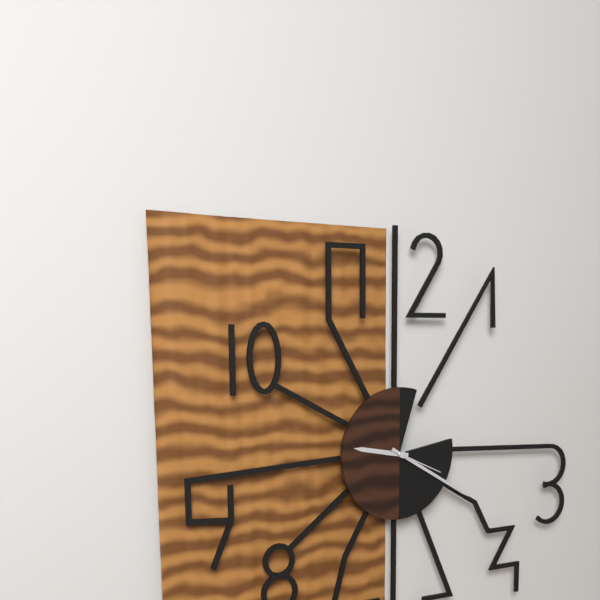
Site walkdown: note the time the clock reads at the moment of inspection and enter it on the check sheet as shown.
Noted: 9:20:19
